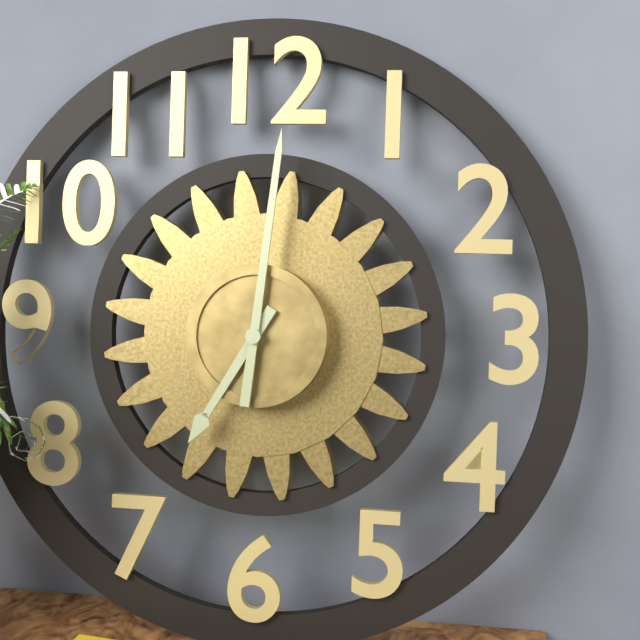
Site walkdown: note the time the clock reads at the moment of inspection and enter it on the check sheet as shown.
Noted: 7:01
